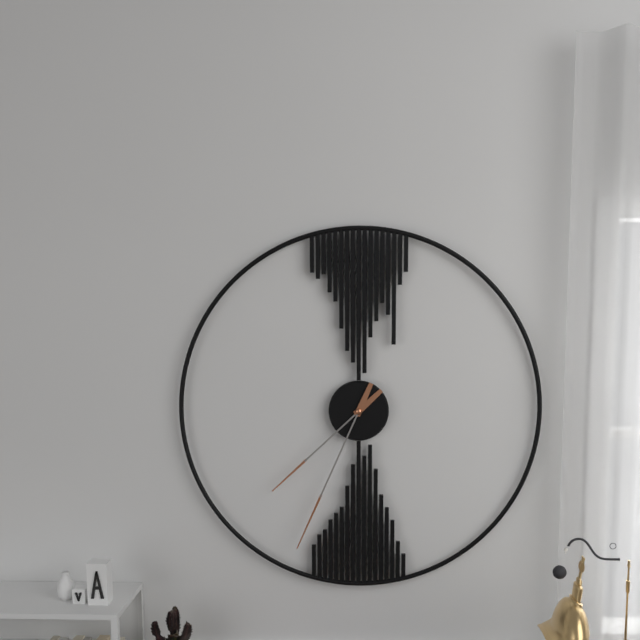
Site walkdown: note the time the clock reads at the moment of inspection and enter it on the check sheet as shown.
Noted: 7:34
